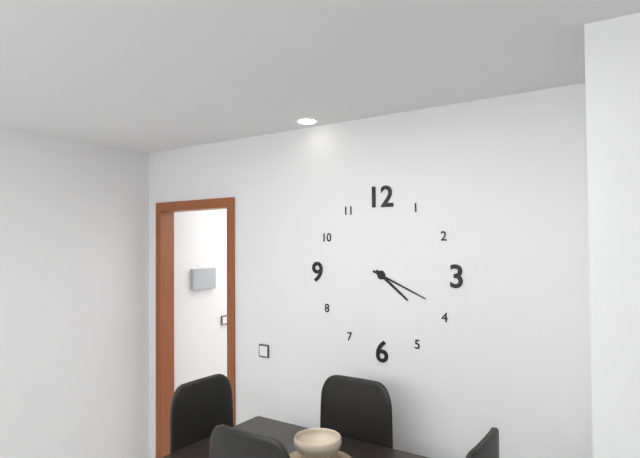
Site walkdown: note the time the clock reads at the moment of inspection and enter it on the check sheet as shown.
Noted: 4:19
